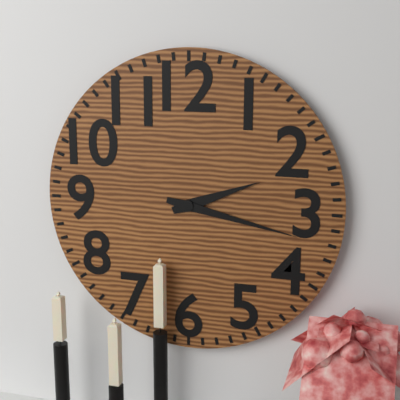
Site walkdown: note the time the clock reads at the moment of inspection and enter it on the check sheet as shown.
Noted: 2:17
